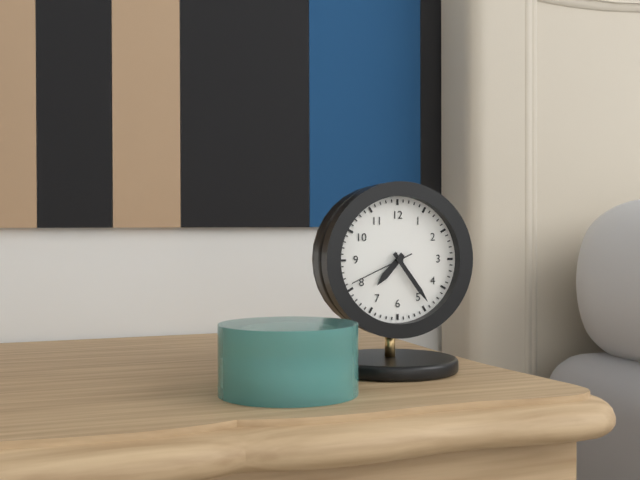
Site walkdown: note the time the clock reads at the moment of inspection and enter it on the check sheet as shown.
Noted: 7:24:41
